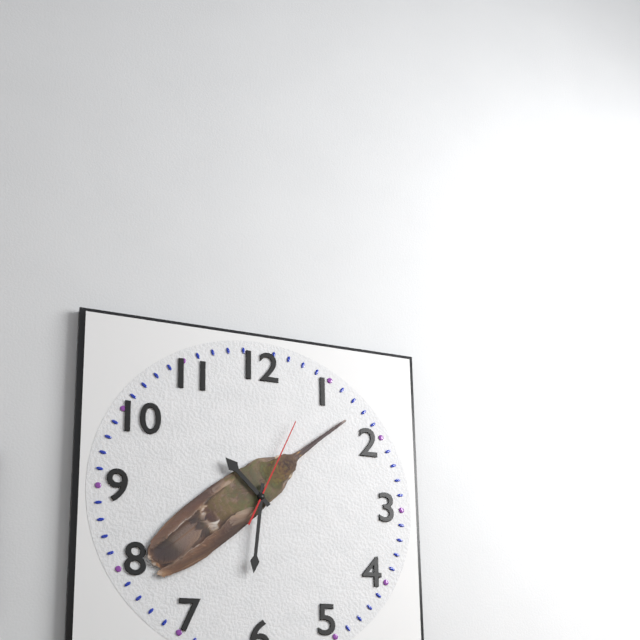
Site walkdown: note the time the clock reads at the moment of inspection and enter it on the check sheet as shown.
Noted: 10:31:04
